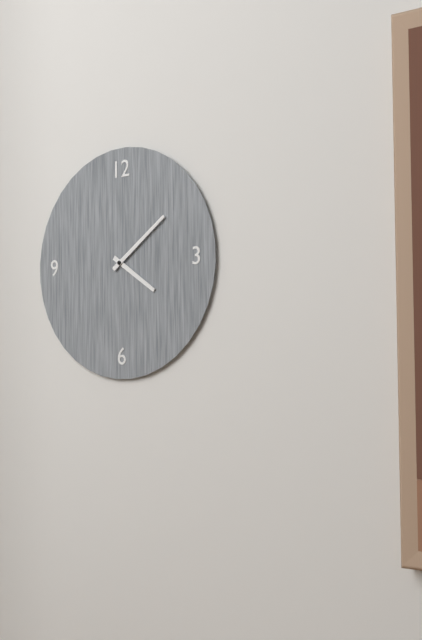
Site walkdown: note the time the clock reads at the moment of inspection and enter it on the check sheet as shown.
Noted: 4:09
